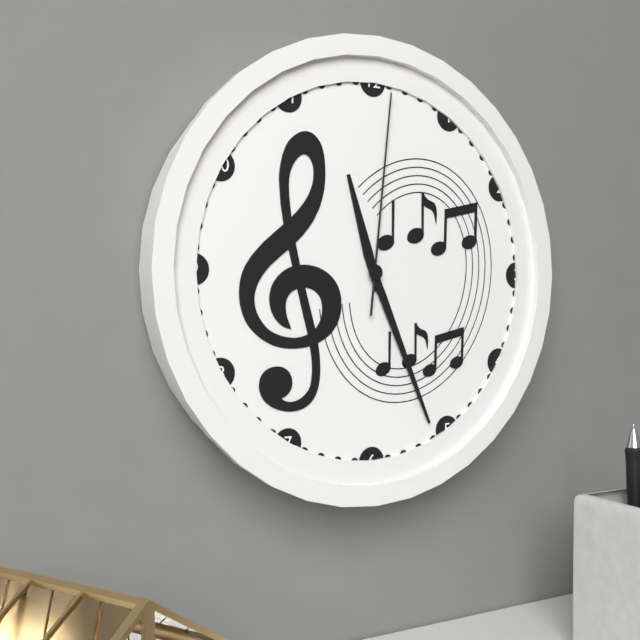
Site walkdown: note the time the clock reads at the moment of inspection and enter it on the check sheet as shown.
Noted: 11:26:01
